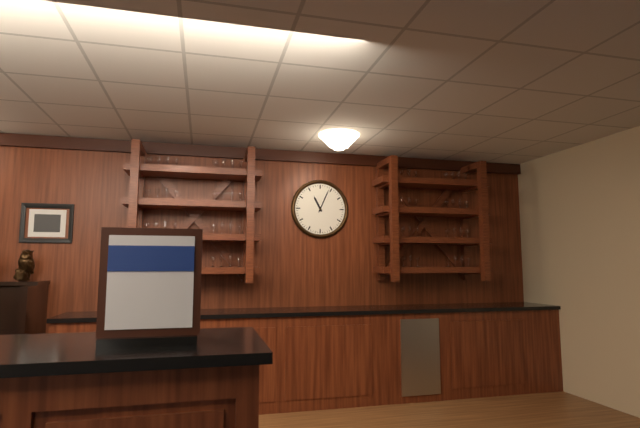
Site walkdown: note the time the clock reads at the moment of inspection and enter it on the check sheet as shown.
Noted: 11:04
